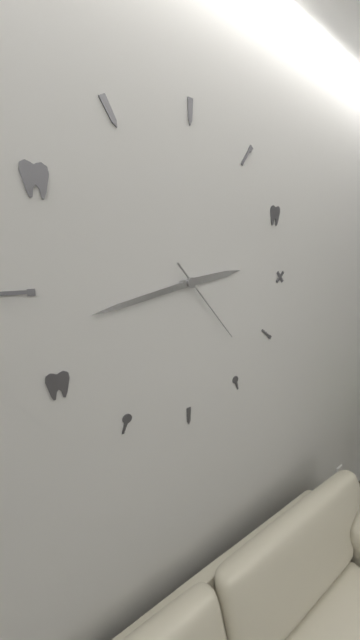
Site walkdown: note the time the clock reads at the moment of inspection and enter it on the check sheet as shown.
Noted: 2:43:23
